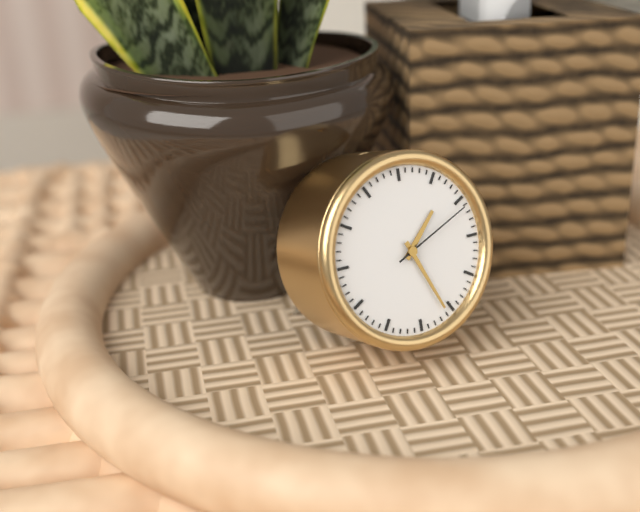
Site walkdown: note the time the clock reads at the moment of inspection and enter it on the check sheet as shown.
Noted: 1:26:11
